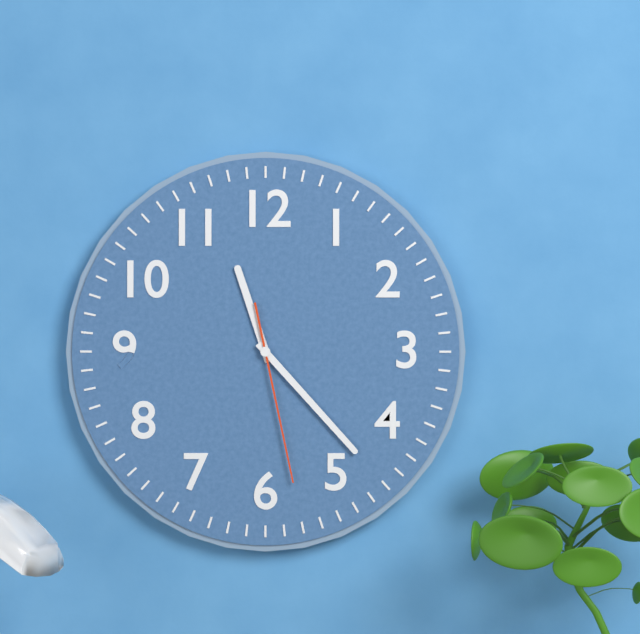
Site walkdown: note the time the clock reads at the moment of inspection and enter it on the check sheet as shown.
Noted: 11:23:28
